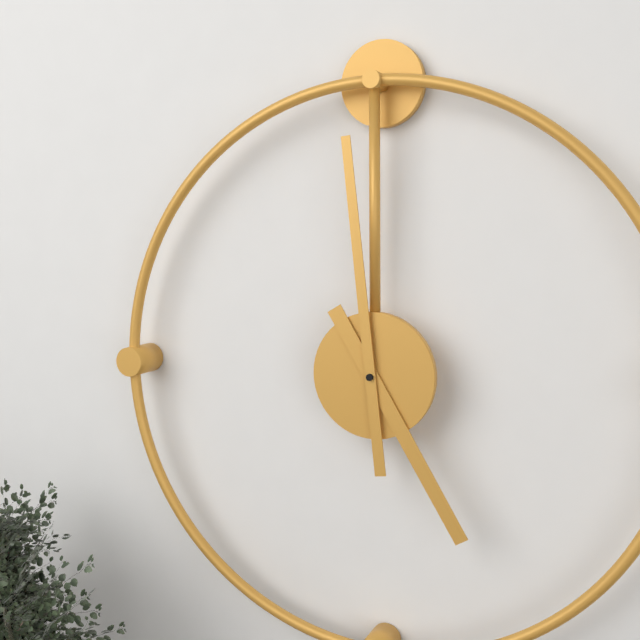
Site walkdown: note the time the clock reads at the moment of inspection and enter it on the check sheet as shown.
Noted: 4:59
